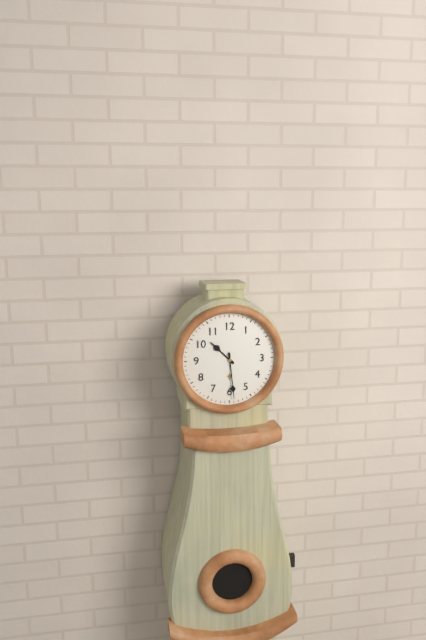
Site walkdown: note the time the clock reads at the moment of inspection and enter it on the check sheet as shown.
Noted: 10:29
